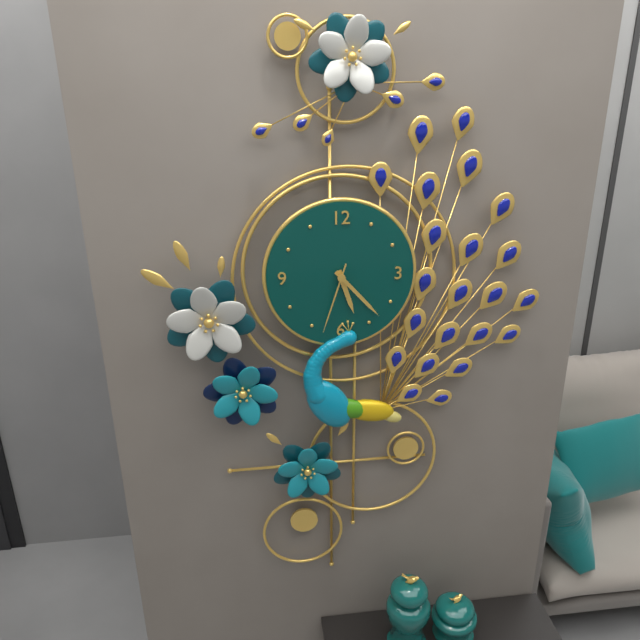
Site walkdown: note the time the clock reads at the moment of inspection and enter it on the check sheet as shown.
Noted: 5:23:33
